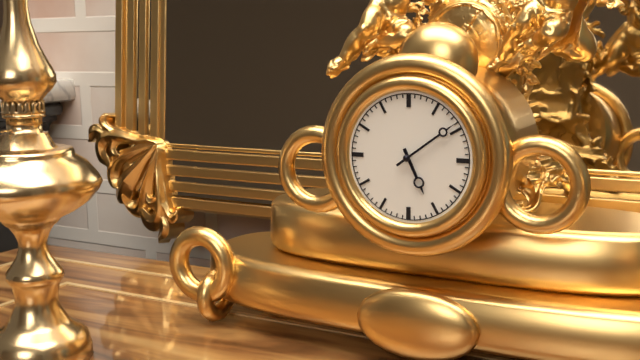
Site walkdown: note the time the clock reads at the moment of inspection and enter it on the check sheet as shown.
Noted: 5:09
